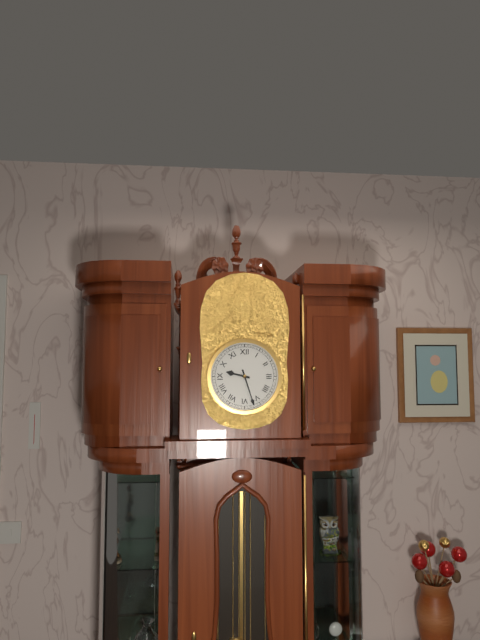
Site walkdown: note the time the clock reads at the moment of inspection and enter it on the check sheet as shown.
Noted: 9:27
